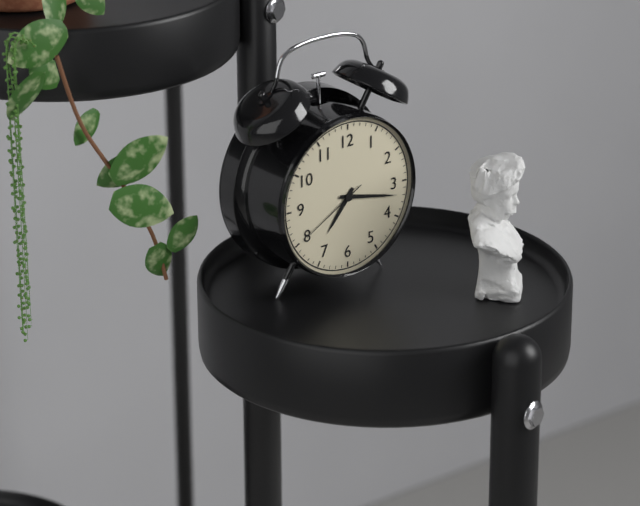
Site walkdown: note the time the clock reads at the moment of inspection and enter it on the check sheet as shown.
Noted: 7:17:40
